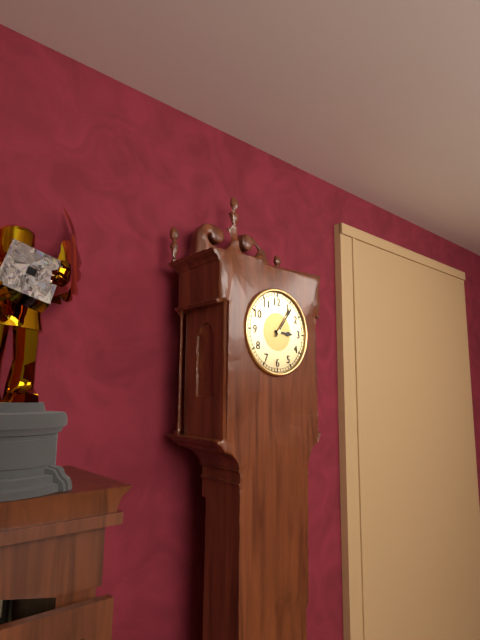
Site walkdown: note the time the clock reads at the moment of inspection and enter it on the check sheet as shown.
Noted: 3:06
